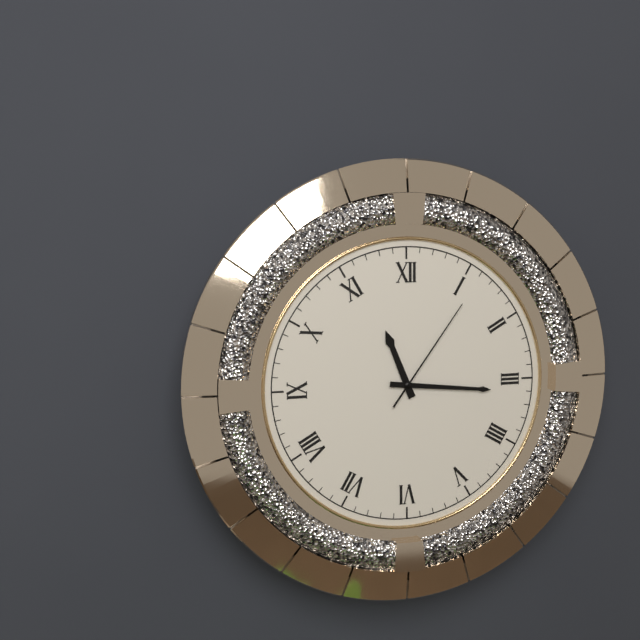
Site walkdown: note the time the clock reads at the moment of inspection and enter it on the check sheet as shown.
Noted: 11:16:06
